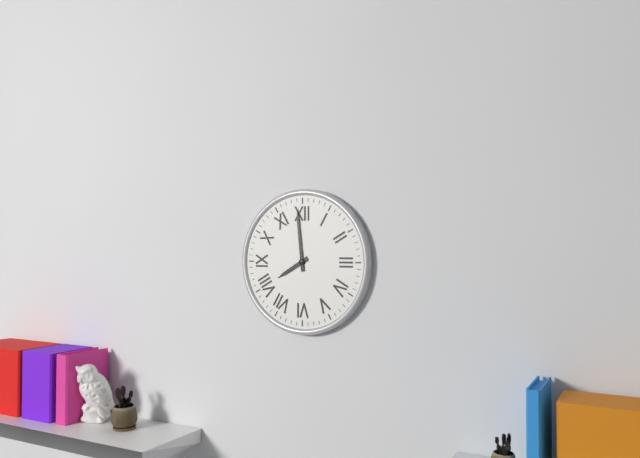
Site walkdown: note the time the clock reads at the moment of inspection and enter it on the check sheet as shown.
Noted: 7:59
